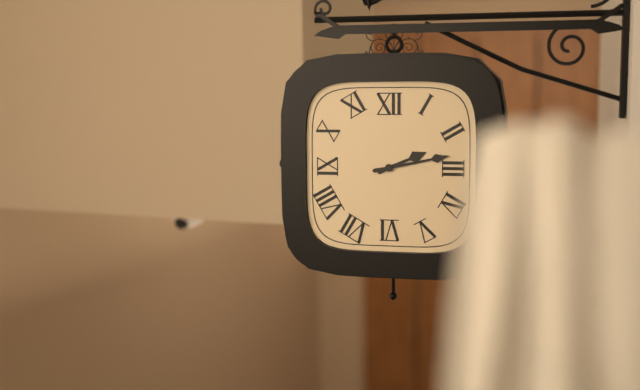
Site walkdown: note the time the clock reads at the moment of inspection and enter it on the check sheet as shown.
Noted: 2:13
